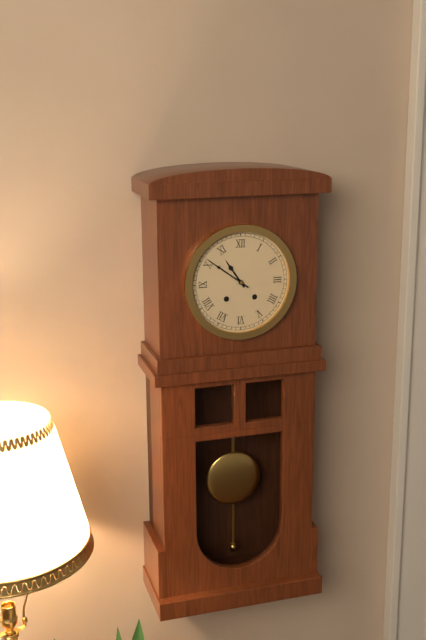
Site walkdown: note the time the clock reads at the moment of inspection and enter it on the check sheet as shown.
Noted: 10:51
